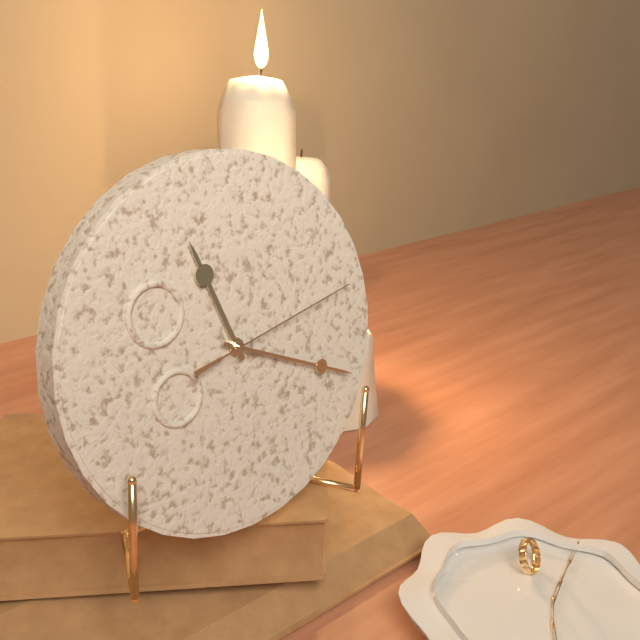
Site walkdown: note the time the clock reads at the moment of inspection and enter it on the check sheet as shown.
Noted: 11:19:13
